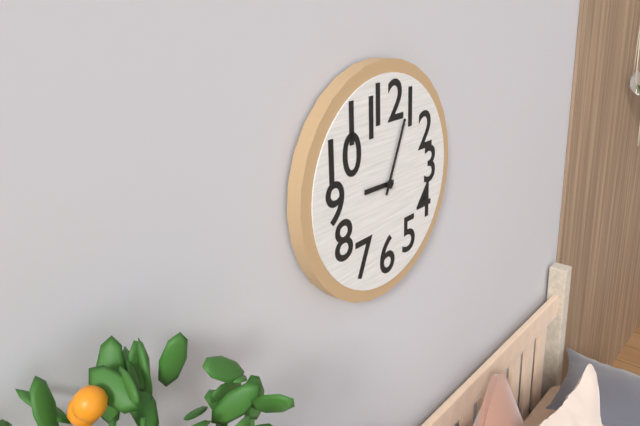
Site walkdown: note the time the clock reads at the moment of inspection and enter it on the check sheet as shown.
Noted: 9:04
